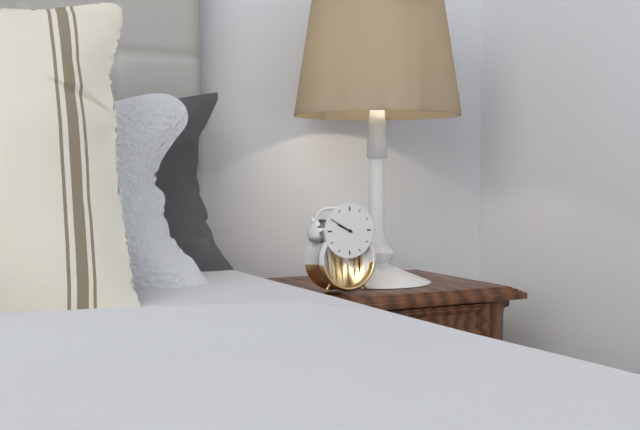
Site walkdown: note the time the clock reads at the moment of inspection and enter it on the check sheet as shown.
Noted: 9:50
